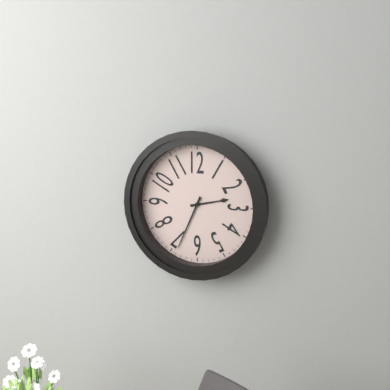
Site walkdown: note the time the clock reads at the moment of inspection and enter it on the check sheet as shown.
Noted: 2:34
